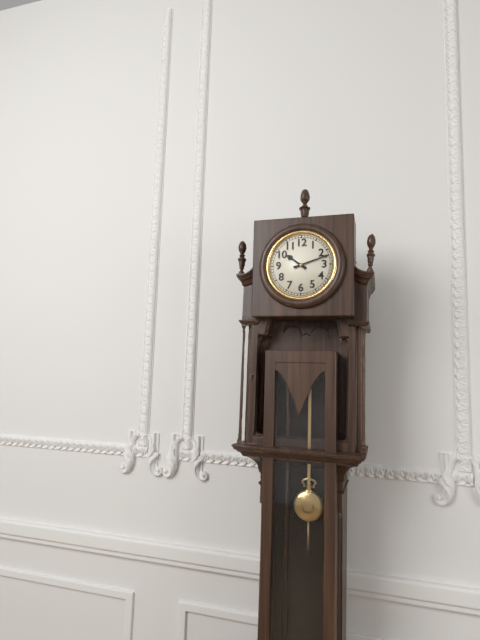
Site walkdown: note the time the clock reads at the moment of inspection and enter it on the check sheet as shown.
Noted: 10:12
